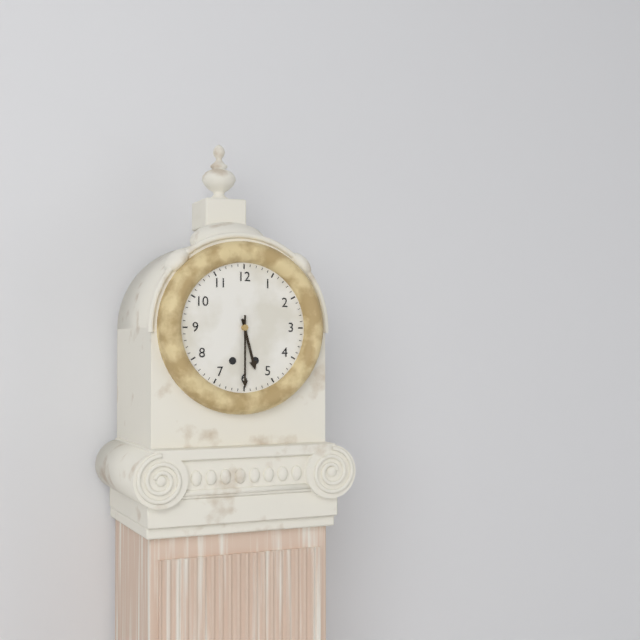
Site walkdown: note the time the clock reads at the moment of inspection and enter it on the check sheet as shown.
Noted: 5:30
